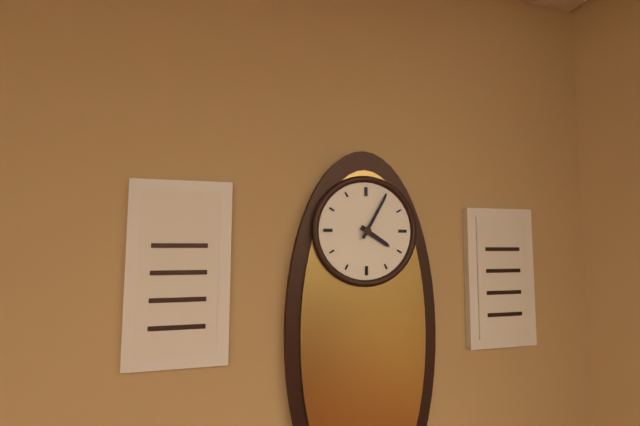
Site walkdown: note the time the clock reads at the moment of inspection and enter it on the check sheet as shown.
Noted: 4:05
